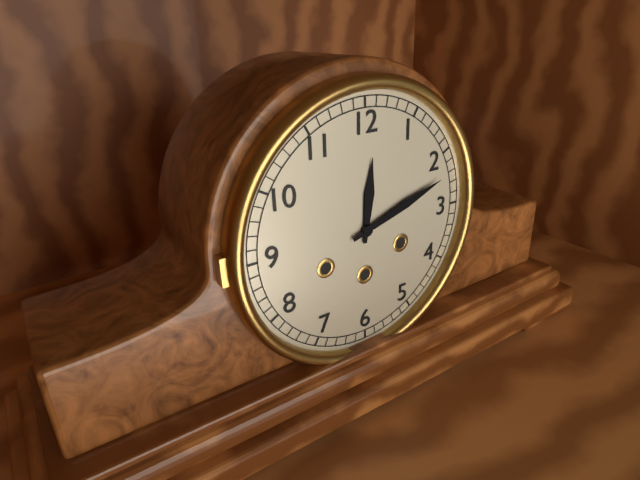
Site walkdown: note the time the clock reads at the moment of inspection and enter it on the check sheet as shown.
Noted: 12:12
